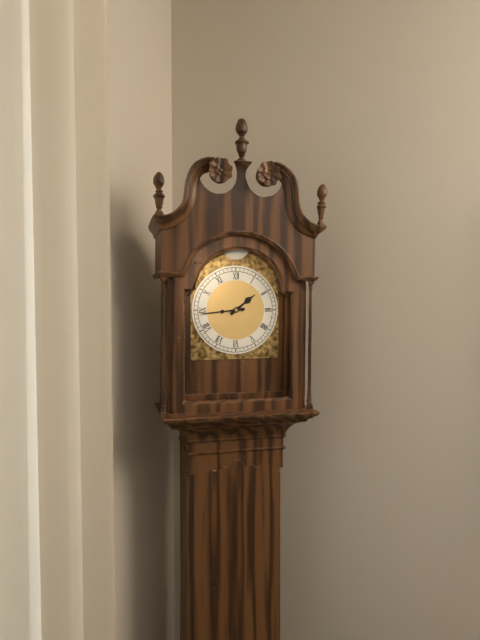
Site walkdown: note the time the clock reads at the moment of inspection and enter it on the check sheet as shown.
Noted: 1:44
